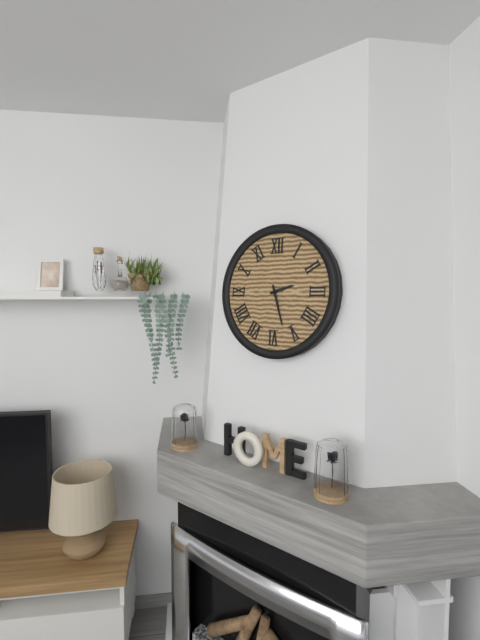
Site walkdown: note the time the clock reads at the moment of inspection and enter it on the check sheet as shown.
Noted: 2:27
